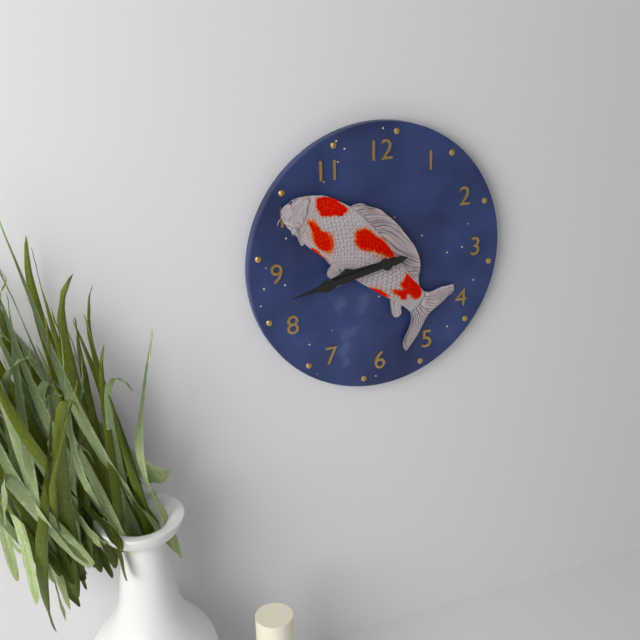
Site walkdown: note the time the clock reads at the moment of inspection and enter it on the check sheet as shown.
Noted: 8:43
